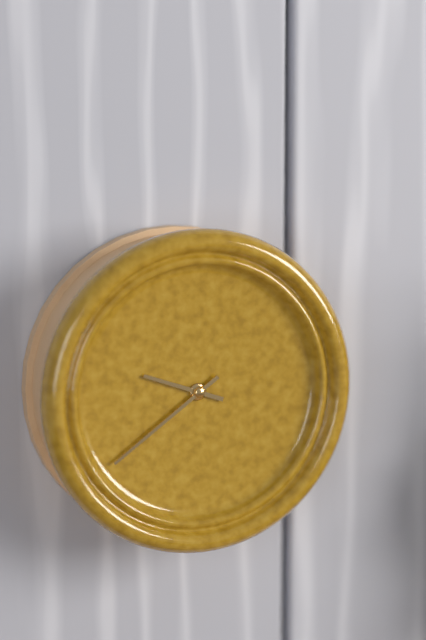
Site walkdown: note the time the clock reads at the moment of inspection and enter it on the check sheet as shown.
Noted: 9:39
